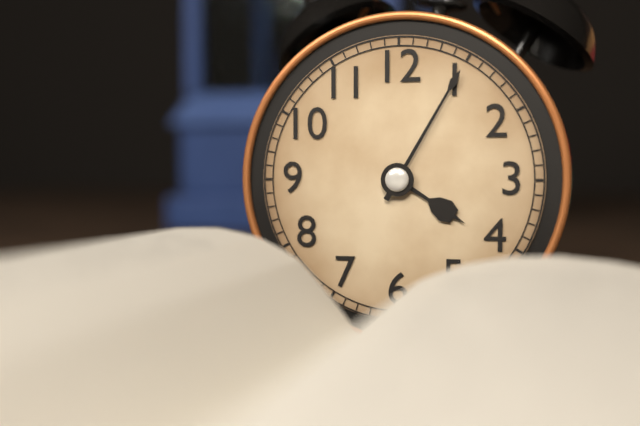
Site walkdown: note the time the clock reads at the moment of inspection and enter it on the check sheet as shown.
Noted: 4:05
